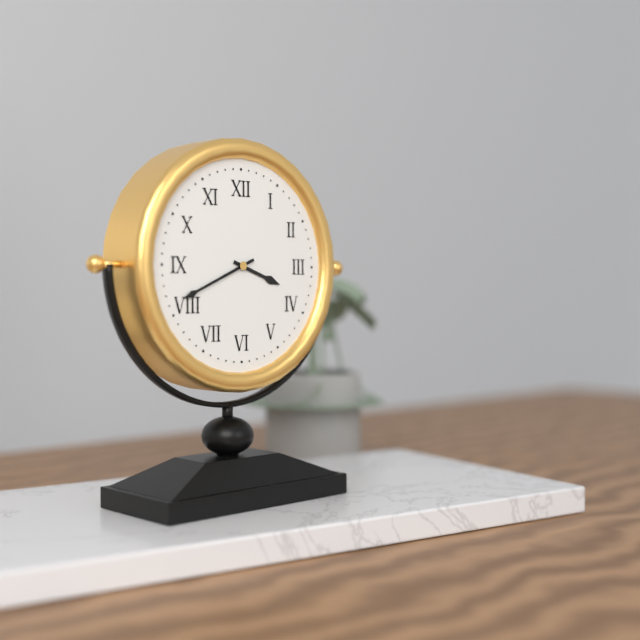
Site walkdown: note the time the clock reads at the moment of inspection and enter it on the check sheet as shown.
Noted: 3:41
